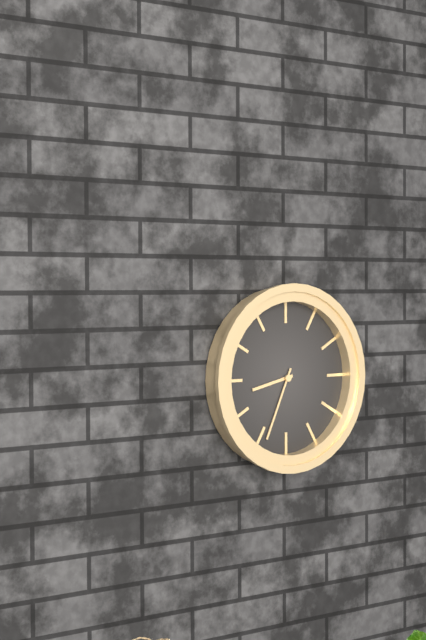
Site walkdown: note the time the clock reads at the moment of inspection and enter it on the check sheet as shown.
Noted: 8:34
